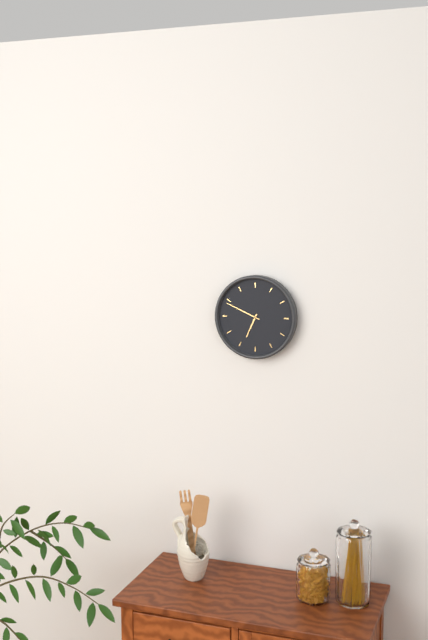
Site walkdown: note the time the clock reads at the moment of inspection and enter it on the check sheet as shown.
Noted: 6:49
